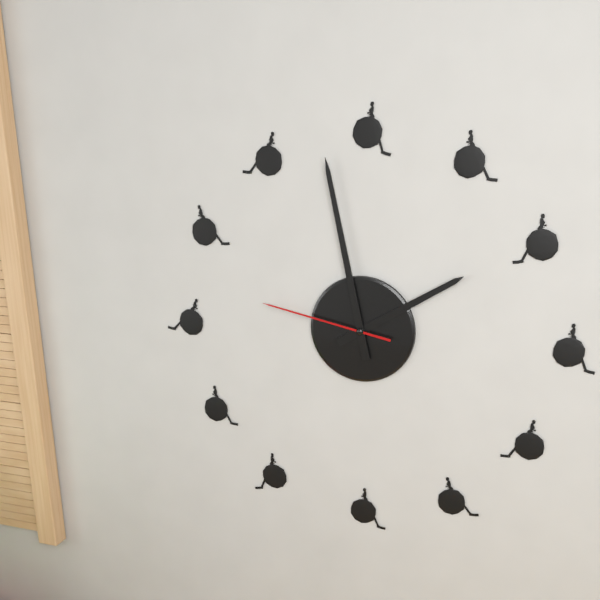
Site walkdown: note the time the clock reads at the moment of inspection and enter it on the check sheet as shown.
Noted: 1:58:47
